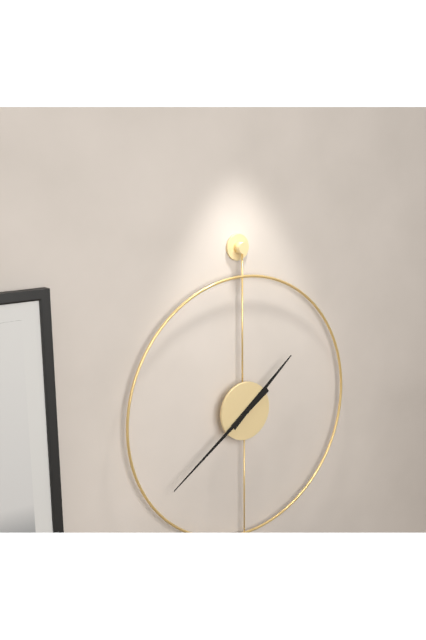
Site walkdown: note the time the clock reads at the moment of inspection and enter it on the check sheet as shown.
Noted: 1:39
